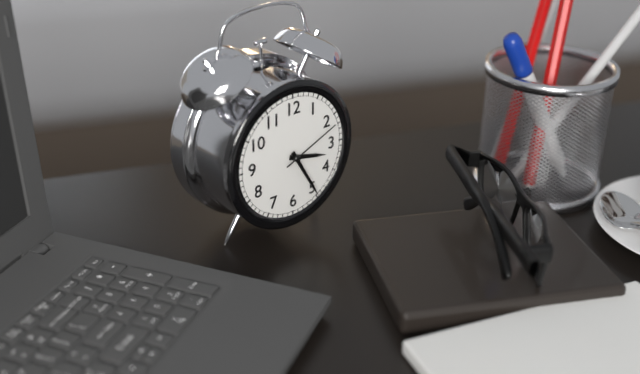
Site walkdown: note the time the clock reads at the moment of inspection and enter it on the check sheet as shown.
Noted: 3:25:11
